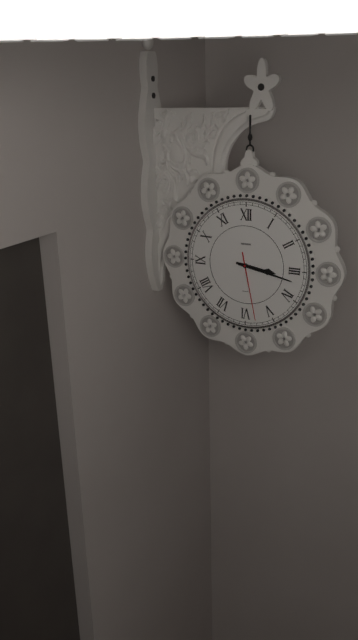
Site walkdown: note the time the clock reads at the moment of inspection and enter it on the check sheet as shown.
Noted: 3:17:28
